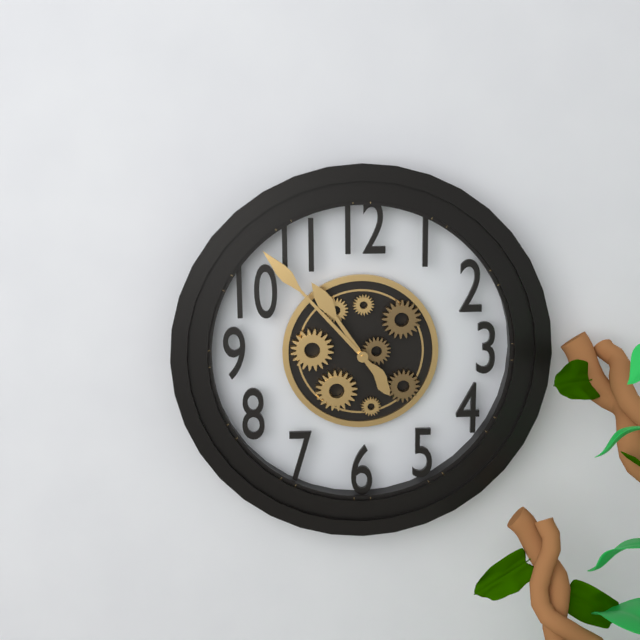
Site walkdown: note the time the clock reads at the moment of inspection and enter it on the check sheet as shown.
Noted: 10:53
